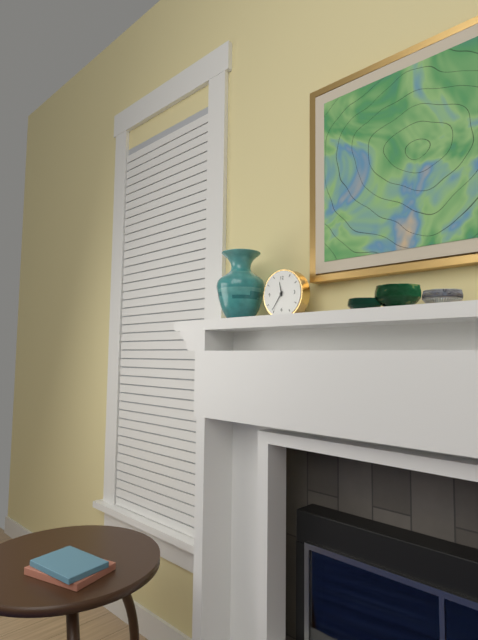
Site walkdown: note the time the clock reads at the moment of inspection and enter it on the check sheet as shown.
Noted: 11:36
